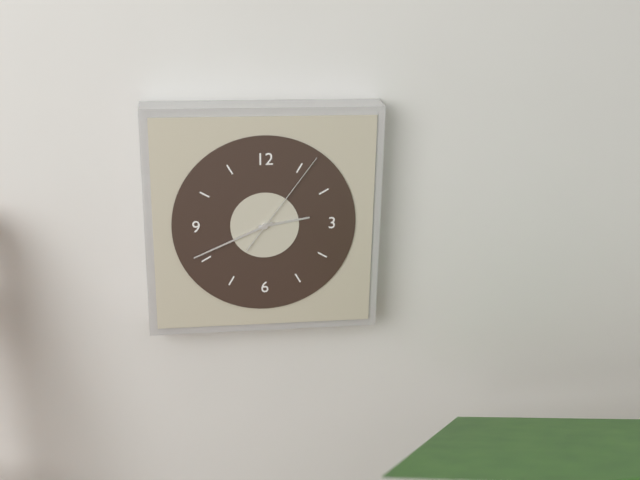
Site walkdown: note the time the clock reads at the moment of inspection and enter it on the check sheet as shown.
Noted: 2:41:06
